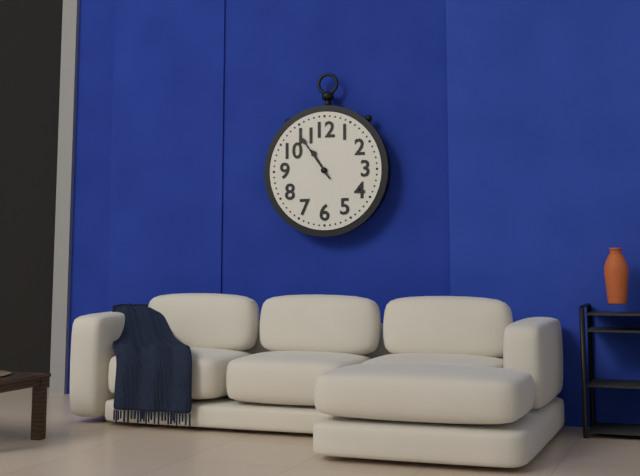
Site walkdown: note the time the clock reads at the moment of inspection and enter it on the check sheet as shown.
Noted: 10:54
